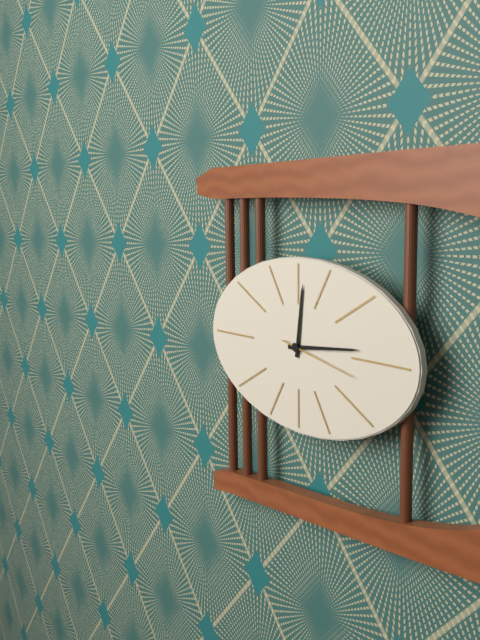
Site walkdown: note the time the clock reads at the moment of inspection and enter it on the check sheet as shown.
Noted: 12:14:17
